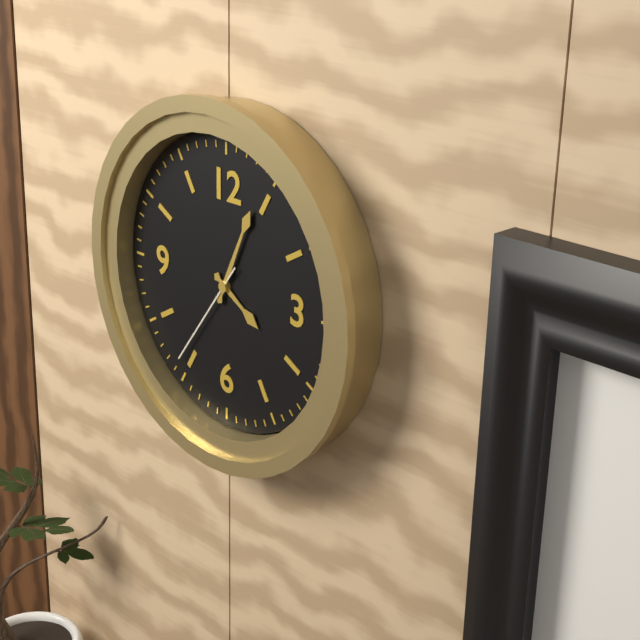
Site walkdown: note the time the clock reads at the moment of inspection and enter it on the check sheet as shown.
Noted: 4:04:36
